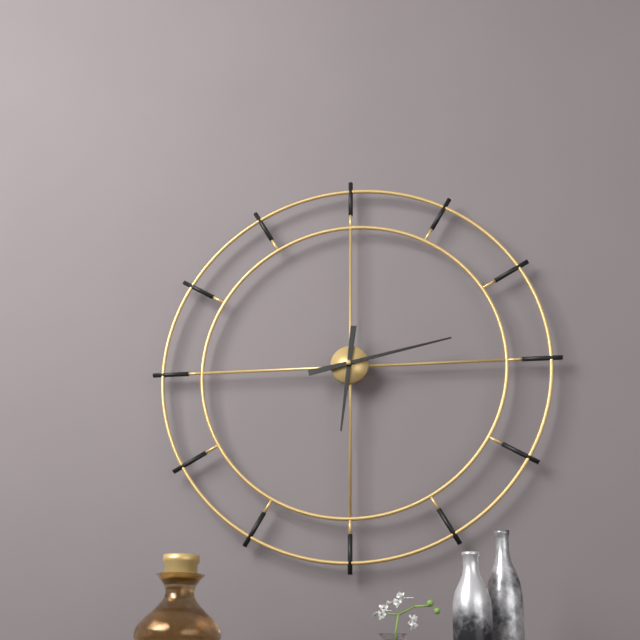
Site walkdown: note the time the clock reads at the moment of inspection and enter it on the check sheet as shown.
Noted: 6:13
